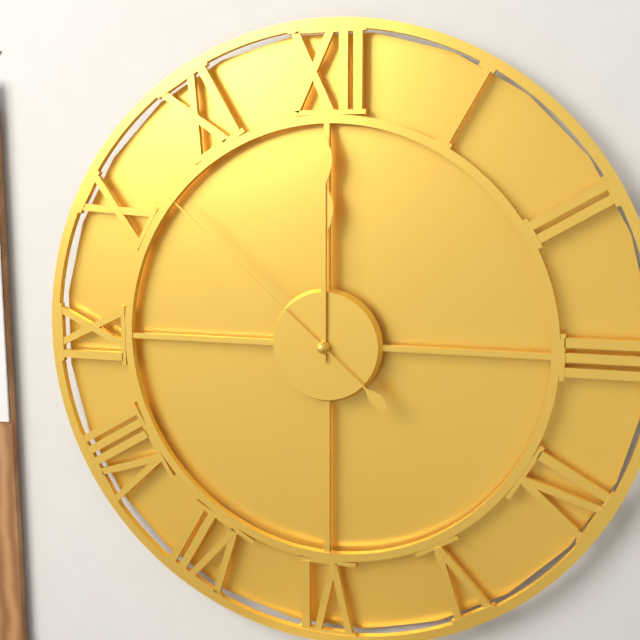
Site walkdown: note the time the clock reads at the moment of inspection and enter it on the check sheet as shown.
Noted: 12:00:52
